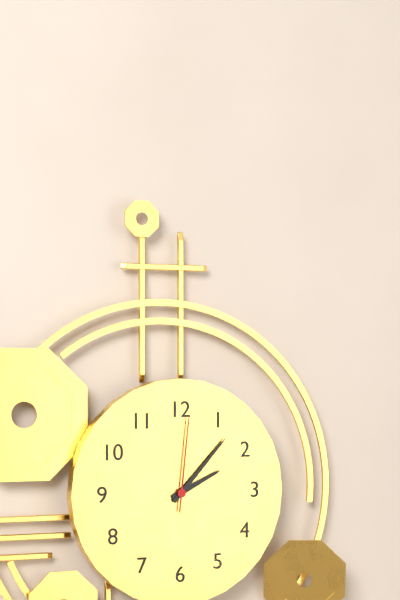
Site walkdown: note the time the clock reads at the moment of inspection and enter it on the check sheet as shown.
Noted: 2:07:01
